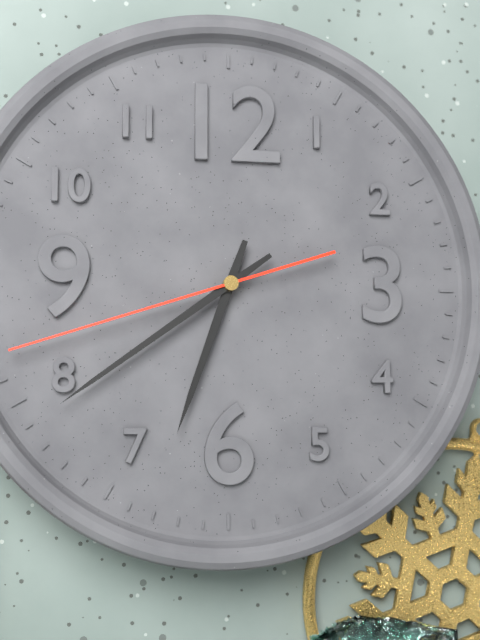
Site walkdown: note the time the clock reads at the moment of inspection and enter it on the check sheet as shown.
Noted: 6:39:42
